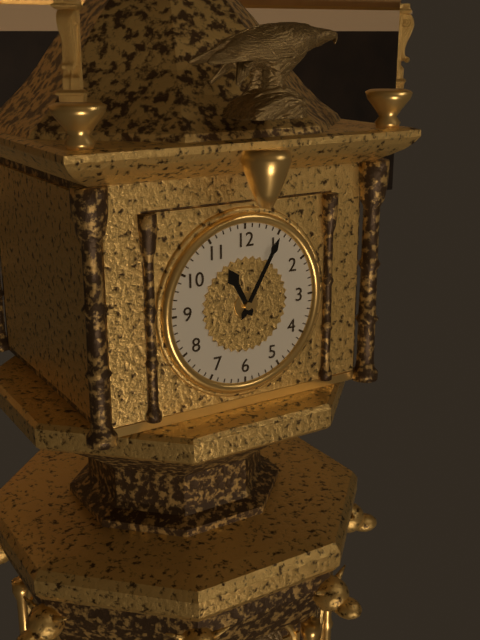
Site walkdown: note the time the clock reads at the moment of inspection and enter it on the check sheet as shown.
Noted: 11:05
